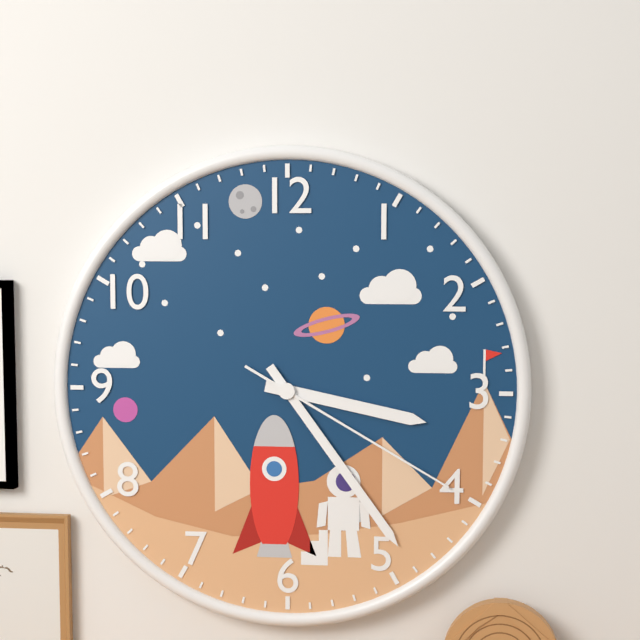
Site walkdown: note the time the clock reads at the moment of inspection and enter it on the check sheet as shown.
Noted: 3:24:20
